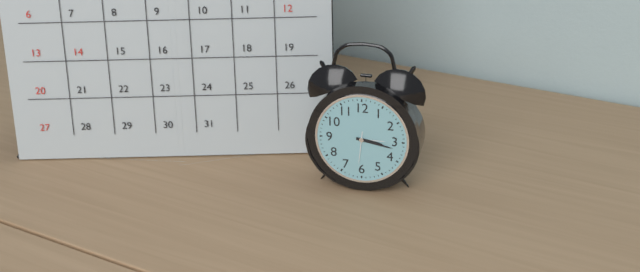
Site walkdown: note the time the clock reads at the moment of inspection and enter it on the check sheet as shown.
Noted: 3:17
